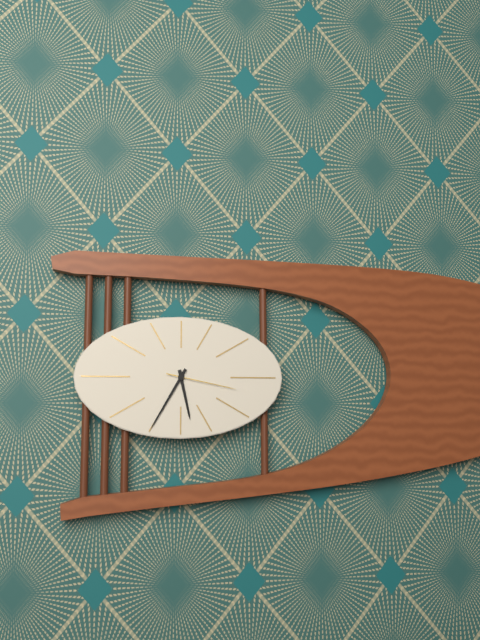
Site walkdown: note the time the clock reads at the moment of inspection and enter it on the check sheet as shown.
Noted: 5:35:17
